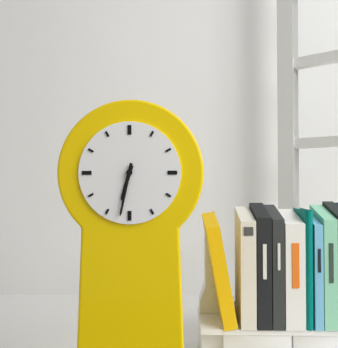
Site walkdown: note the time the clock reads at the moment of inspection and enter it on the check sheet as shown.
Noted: 6:32
